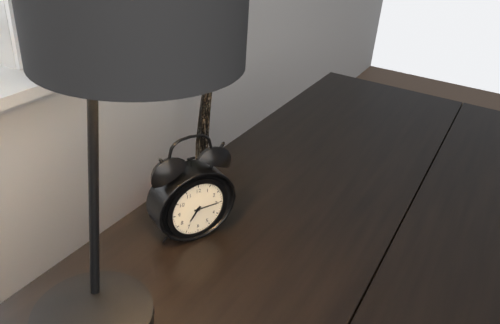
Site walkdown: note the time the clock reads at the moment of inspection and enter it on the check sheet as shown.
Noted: 7:15
